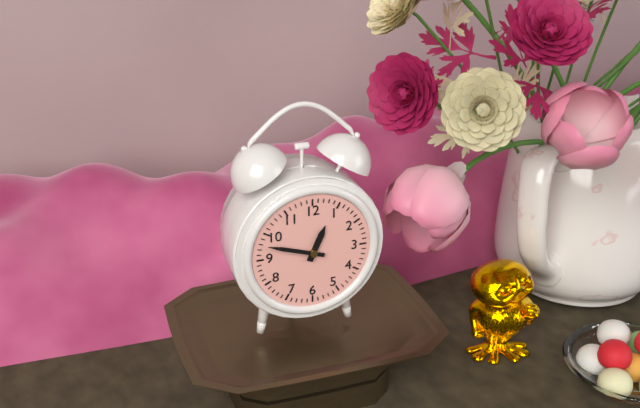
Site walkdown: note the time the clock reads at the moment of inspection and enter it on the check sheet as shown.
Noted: 12:48
